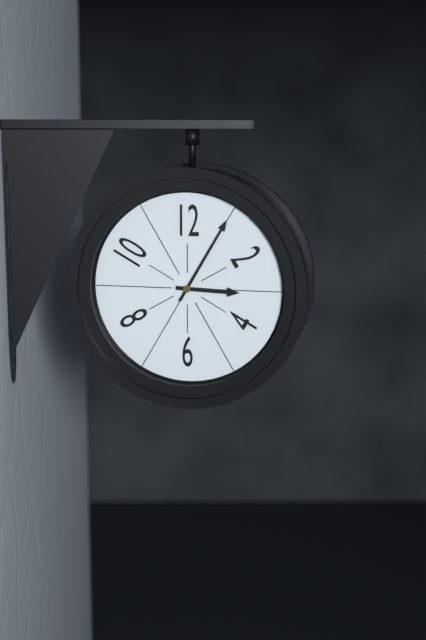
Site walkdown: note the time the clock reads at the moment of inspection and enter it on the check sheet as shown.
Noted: 3:05
